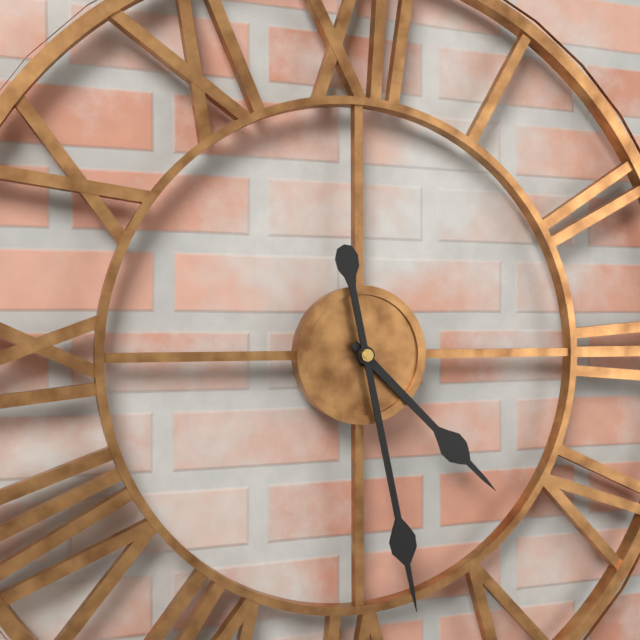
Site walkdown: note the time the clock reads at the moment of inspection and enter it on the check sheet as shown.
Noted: 4:28
